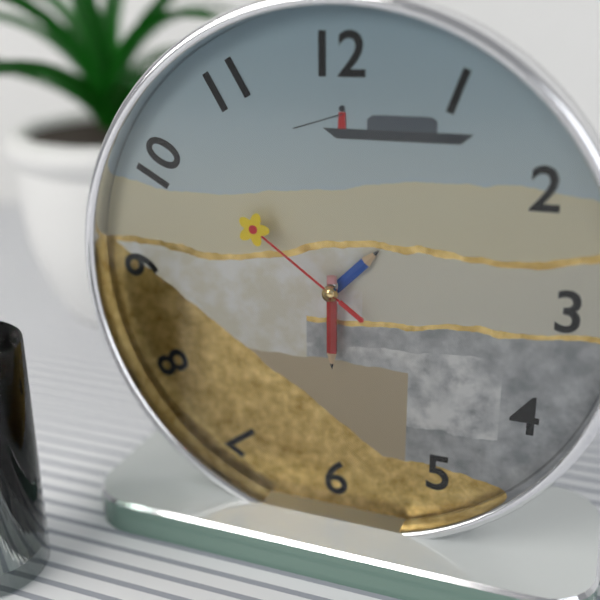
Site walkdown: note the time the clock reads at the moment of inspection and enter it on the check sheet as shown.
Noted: 1:30:51
